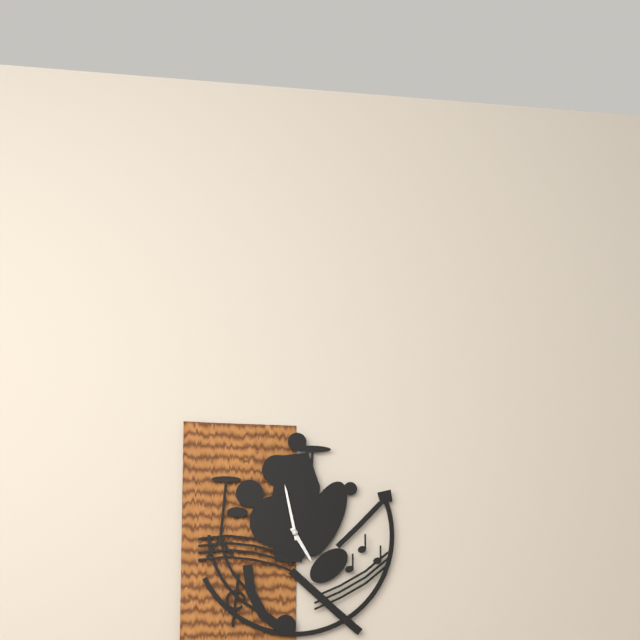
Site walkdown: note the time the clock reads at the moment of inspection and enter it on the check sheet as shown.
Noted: 4:58
